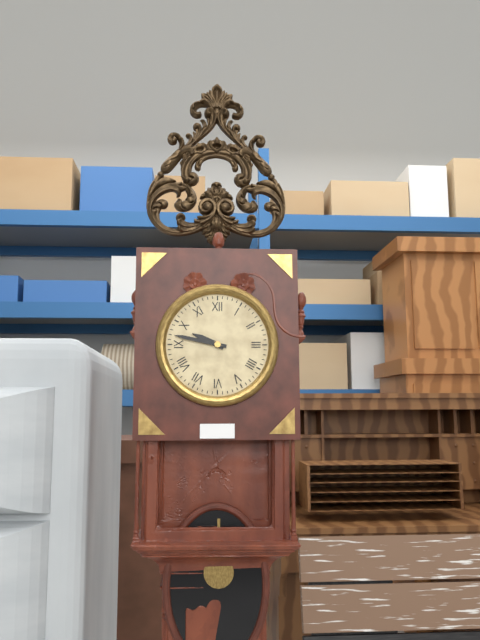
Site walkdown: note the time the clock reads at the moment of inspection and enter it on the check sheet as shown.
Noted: 9:47
